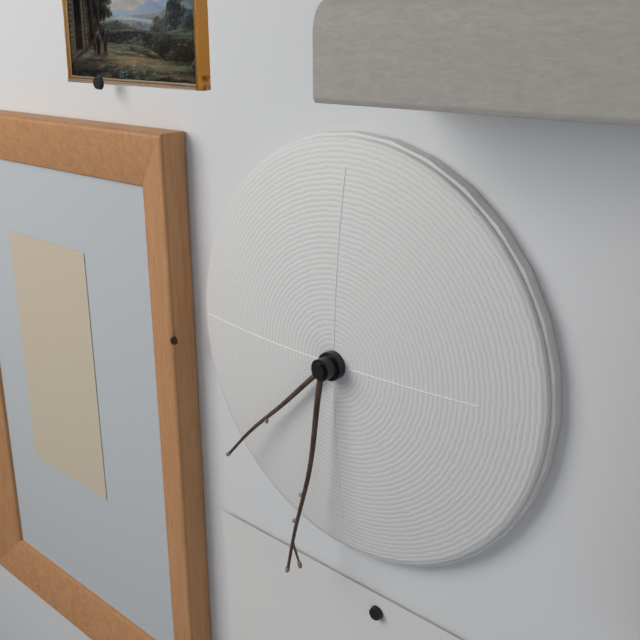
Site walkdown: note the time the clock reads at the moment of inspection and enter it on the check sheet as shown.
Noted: 7:32
